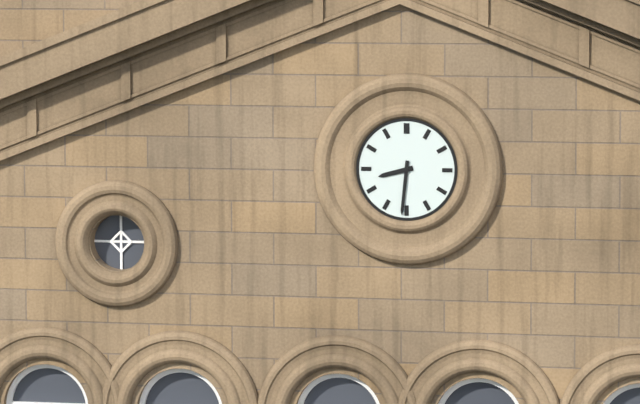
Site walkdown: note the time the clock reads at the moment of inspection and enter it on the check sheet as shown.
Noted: 8:31
